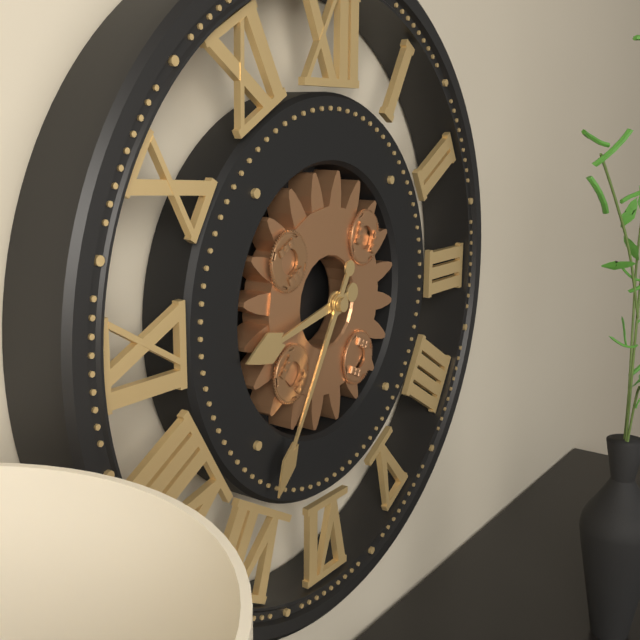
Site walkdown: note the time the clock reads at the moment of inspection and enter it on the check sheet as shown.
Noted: 8:35
